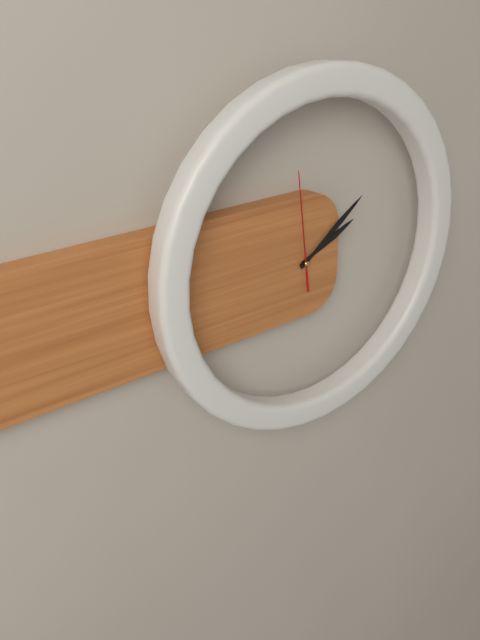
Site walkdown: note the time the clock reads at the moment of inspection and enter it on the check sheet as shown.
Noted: 2:09:59
